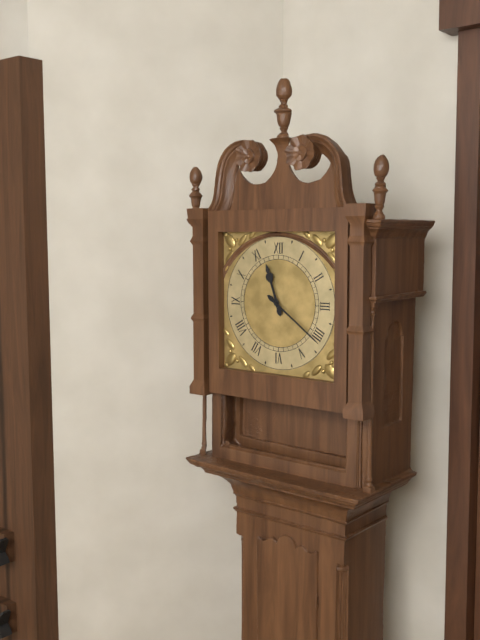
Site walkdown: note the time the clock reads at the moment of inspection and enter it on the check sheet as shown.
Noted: 11:21
